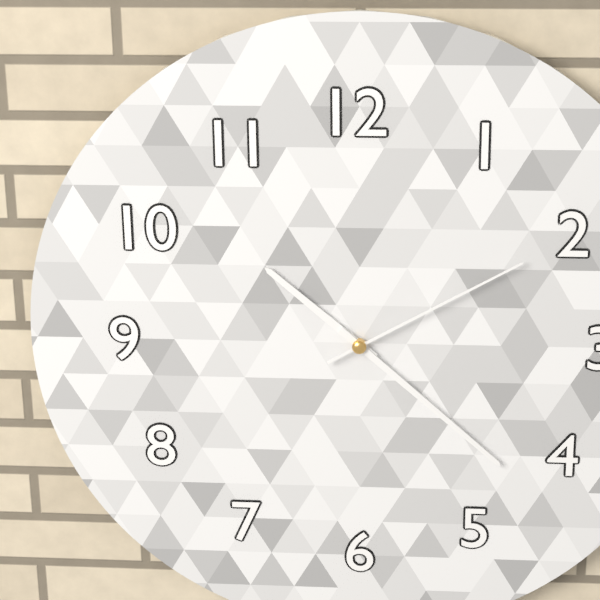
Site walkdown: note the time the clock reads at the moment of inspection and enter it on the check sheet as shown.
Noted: 10:22:10
